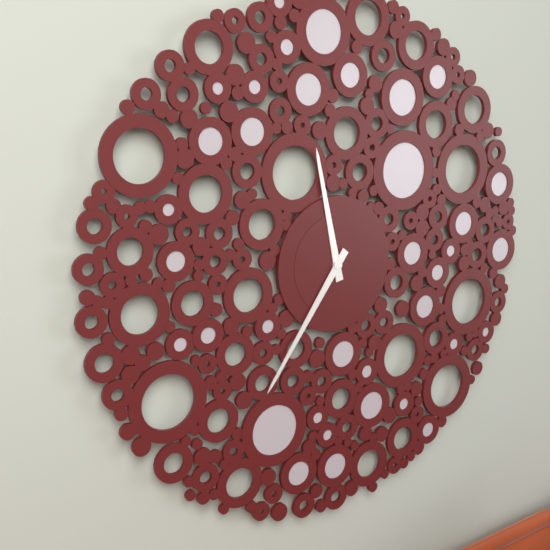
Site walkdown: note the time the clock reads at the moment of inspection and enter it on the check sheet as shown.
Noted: 11:36
